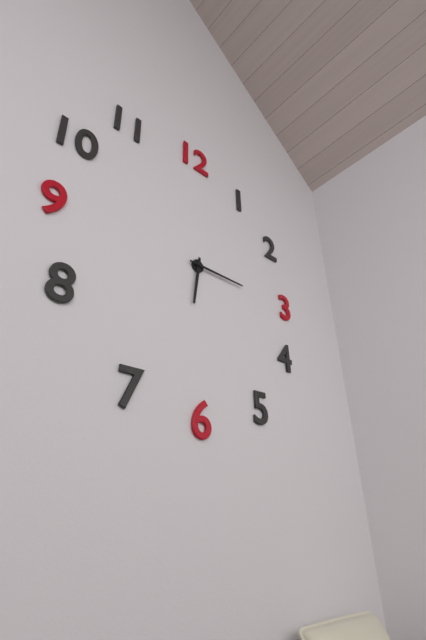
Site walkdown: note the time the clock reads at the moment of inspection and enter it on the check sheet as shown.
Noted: 6:15
